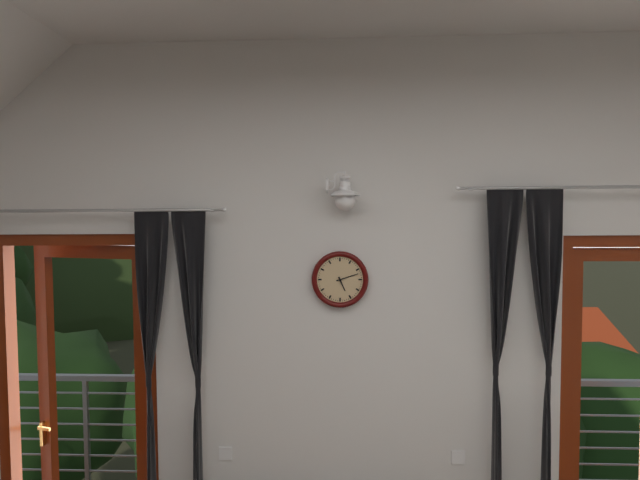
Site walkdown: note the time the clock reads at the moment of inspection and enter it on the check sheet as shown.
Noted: 5:12
